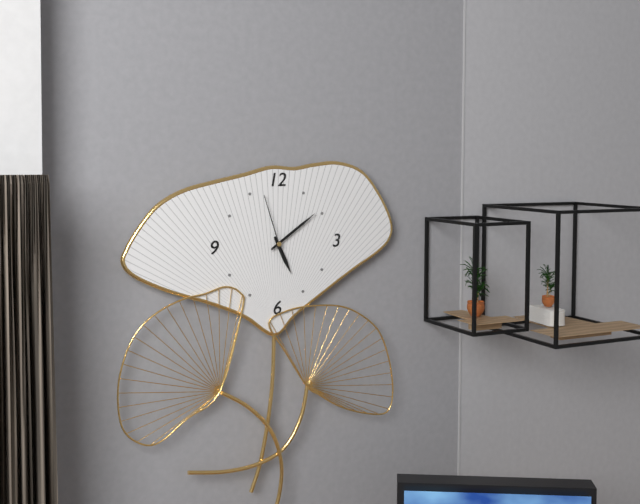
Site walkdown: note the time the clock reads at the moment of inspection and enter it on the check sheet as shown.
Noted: 5:09:57
